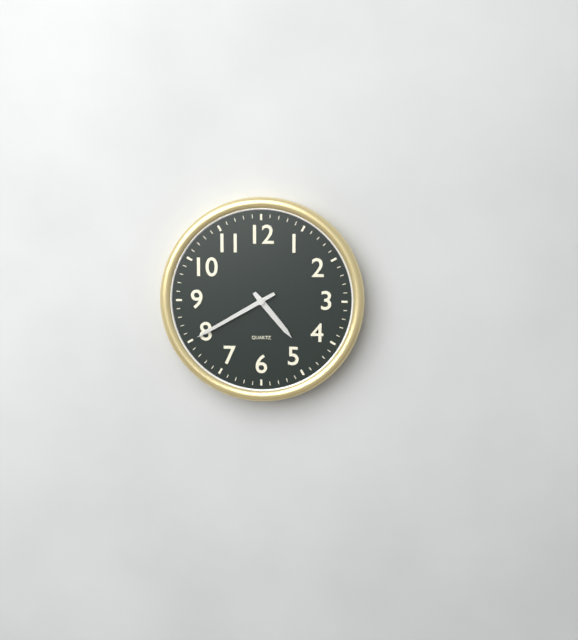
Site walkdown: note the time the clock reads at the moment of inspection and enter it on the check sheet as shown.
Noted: 4:40
